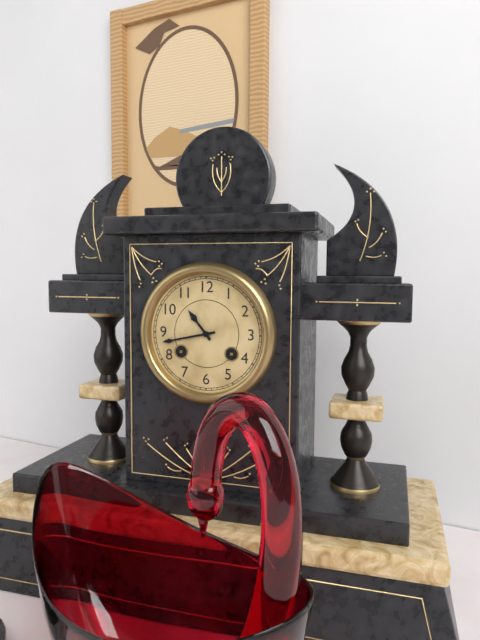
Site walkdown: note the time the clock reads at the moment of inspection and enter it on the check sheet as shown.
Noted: 10:43
